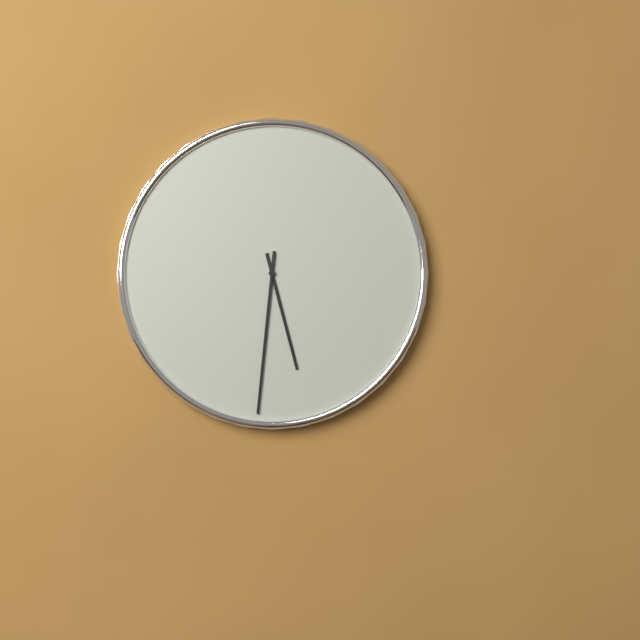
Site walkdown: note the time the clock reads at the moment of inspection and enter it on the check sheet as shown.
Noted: 5:31
